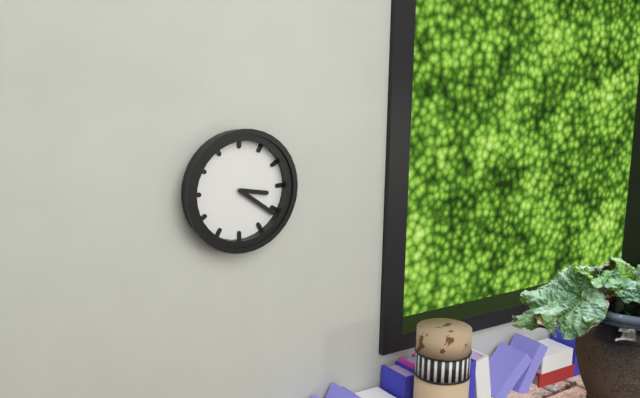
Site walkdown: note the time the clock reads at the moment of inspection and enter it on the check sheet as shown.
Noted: 3:21
